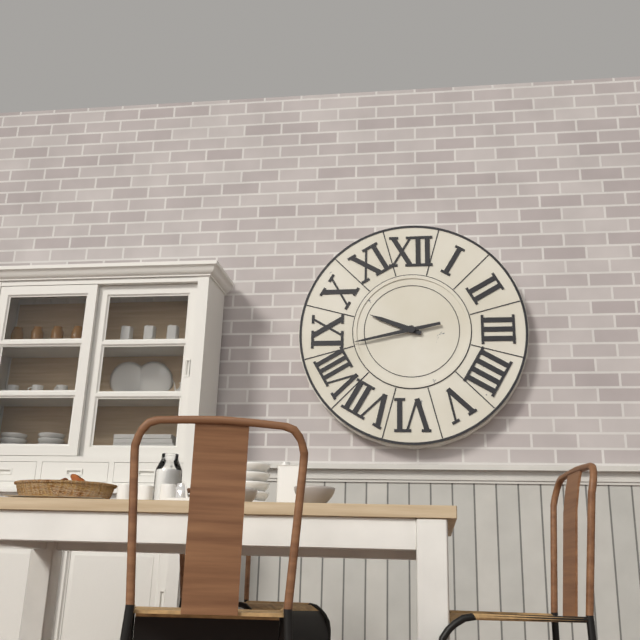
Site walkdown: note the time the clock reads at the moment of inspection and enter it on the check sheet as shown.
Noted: 9:43
